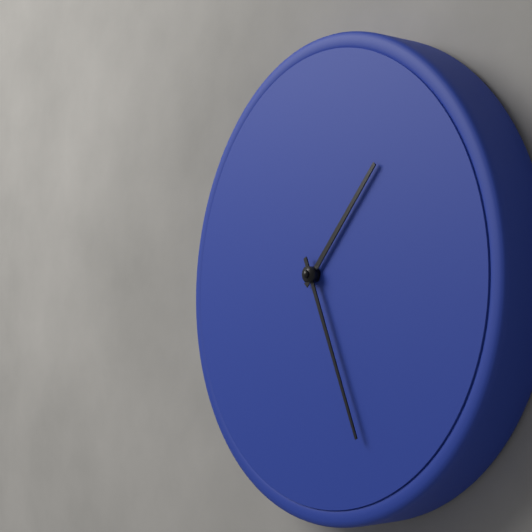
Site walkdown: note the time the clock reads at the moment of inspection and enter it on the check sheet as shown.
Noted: 1:26
